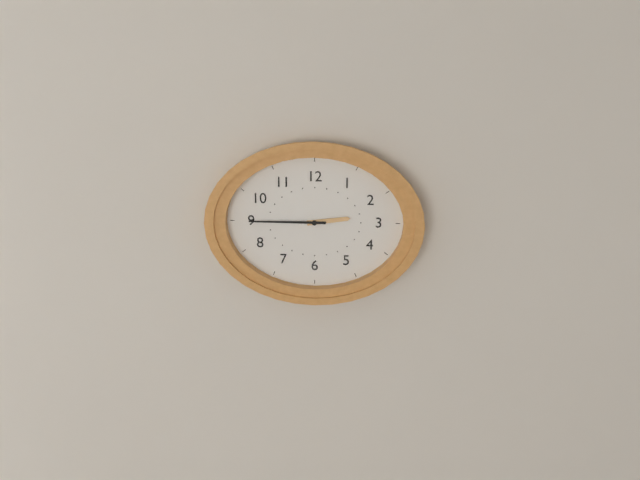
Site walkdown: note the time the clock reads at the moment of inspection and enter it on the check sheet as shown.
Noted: 2:45
